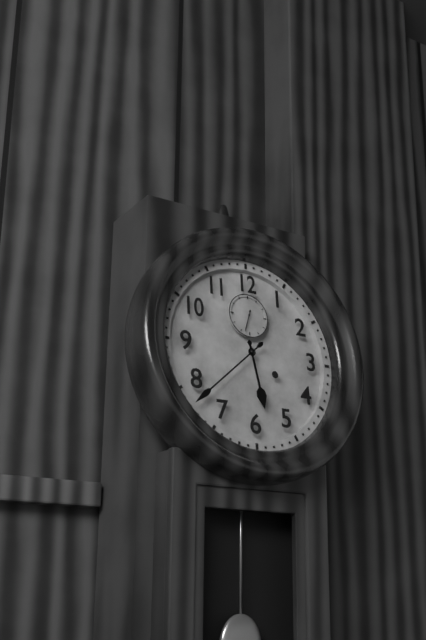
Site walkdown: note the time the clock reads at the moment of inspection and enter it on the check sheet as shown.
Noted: 5:38
